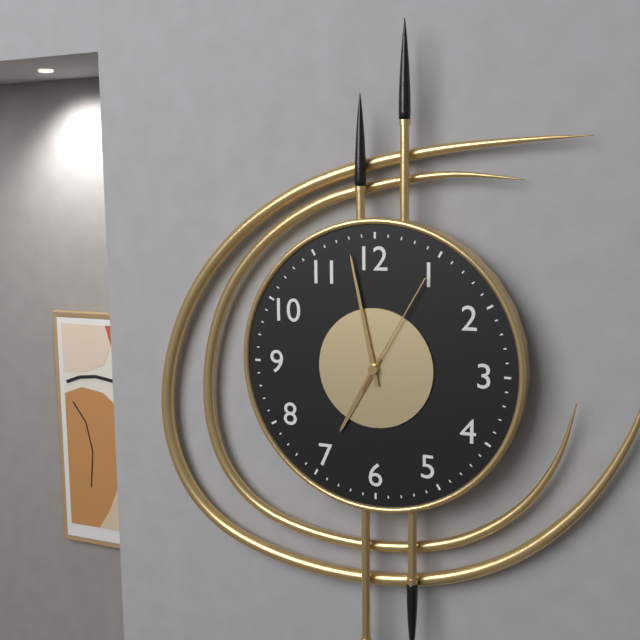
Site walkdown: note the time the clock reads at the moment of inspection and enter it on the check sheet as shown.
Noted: 6:58:05
